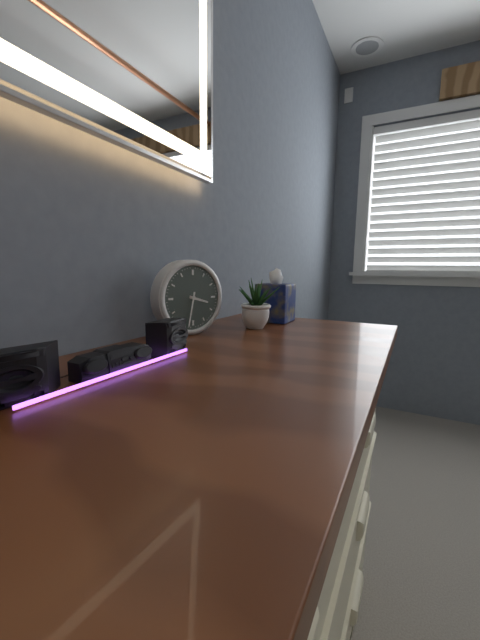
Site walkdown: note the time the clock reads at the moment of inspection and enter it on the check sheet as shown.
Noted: 3:32
